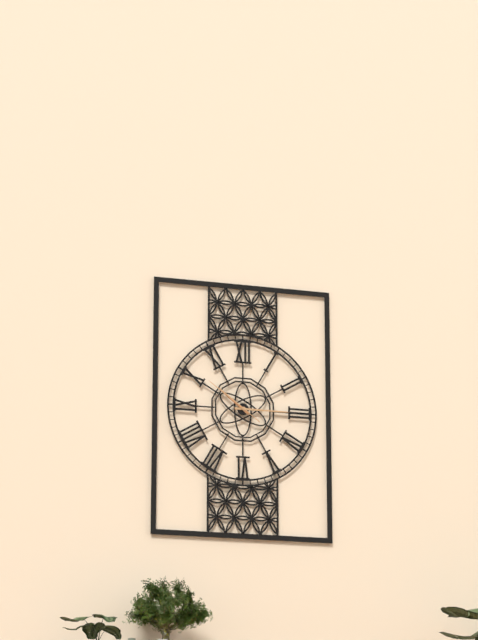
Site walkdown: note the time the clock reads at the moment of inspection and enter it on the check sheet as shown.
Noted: 10:15:51
